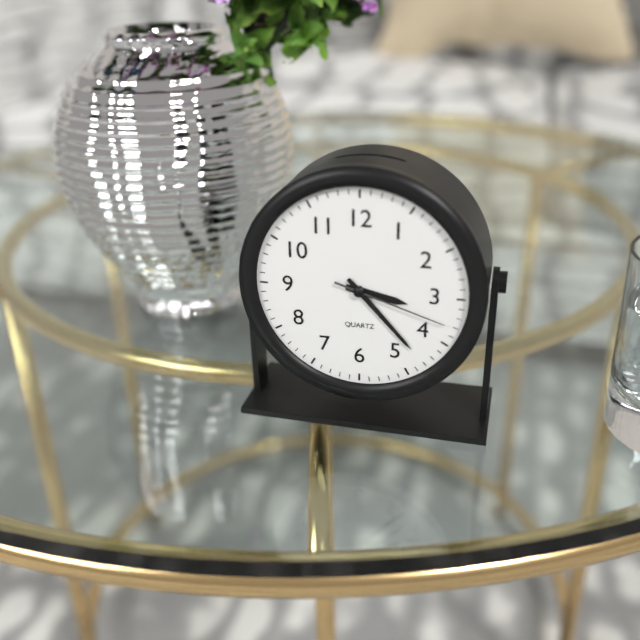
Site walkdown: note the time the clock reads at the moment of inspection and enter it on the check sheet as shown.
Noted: 3:23:18
